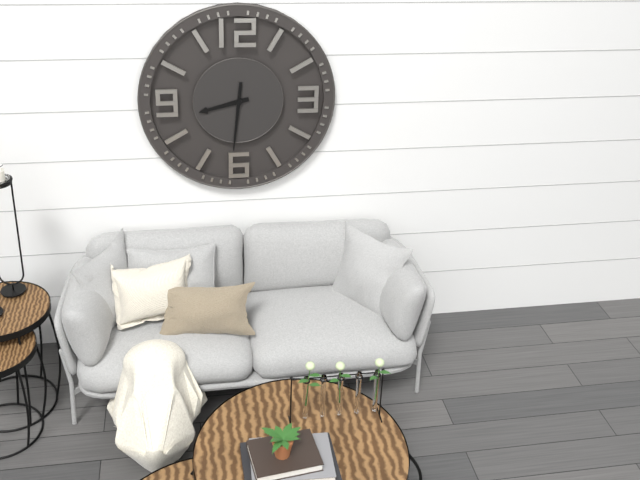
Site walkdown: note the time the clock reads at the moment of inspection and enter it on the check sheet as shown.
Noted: 8:31
